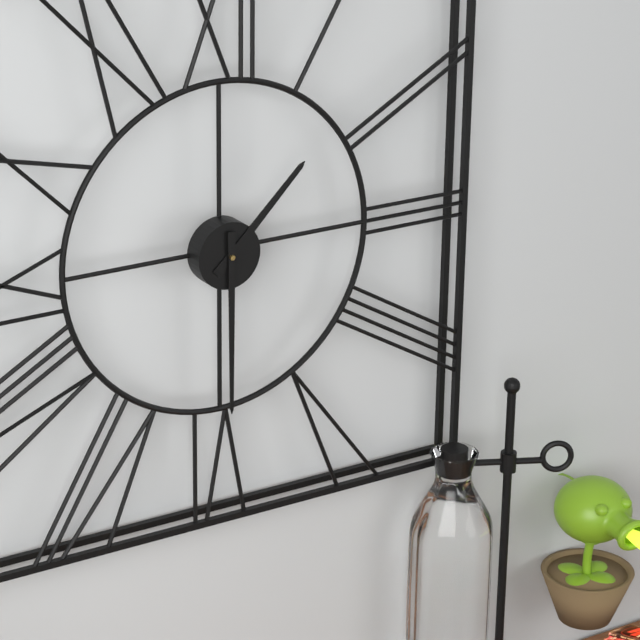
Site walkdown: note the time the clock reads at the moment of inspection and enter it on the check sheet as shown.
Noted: 1:30
